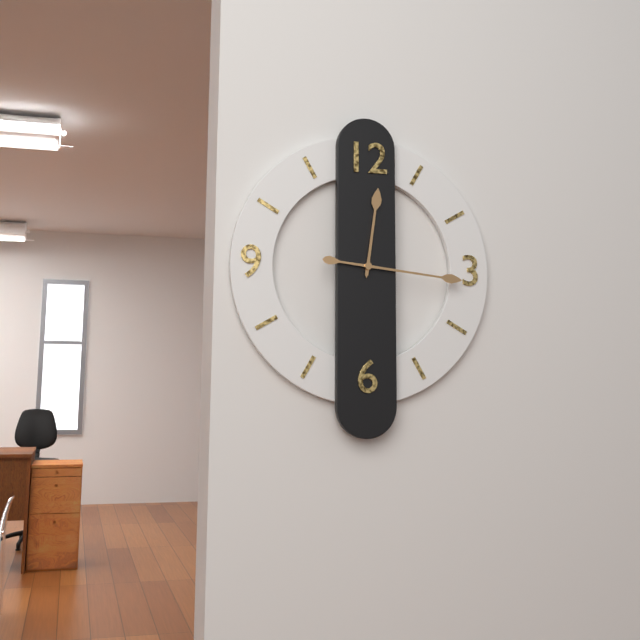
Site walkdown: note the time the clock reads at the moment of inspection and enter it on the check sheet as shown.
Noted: 12:16
